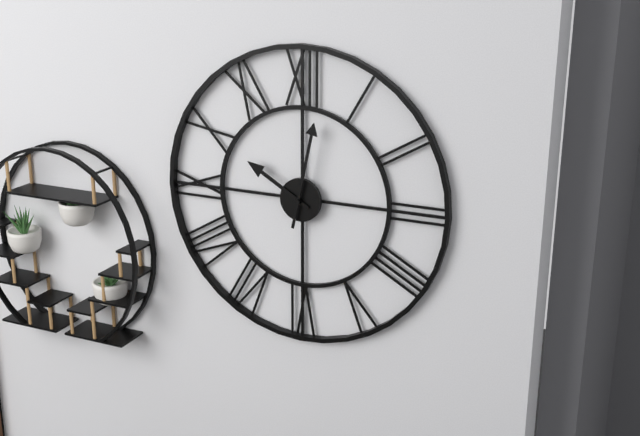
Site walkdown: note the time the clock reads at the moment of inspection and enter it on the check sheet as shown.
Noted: 10:02
